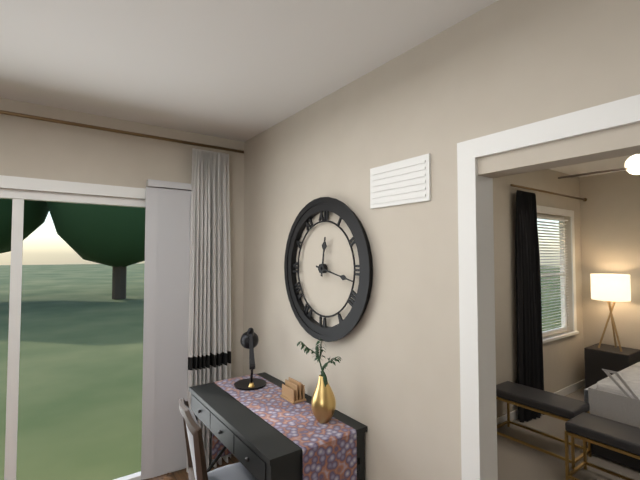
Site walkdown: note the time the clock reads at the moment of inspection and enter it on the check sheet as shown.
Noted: 12:17
